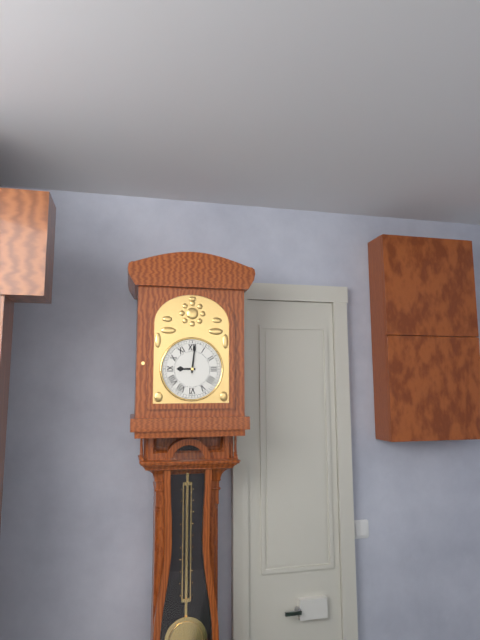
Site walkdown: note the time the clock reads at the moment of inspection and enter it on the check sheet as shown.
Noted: 9:01
